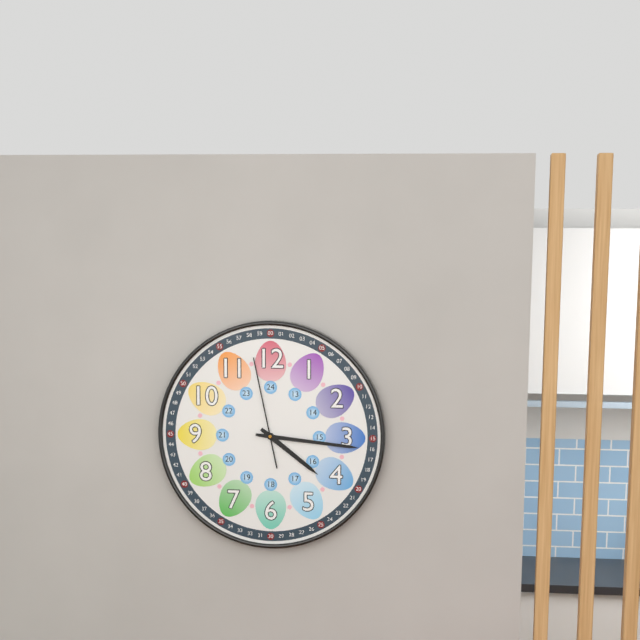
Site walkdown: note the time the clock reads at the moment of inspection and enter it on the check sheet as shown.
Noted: 4:16:58
